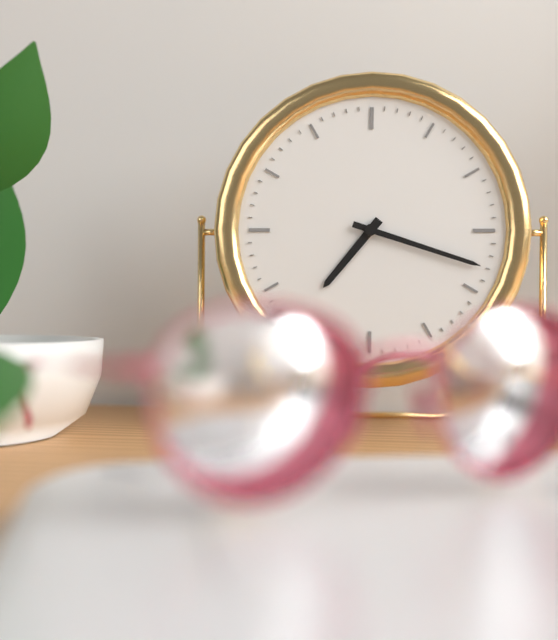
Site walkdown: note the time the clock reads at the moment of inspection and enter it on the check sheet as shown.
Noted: 7:18
